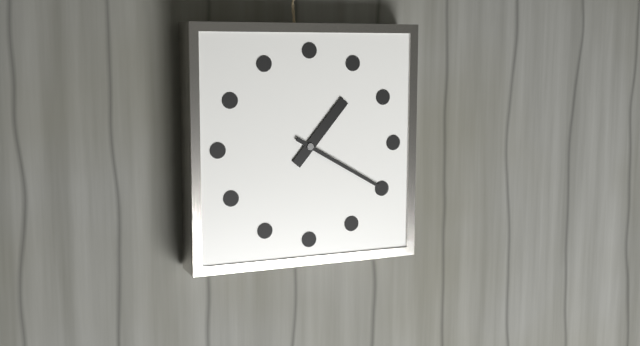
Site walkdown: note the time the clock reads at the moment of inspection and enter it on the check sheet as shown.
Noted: 1:20
